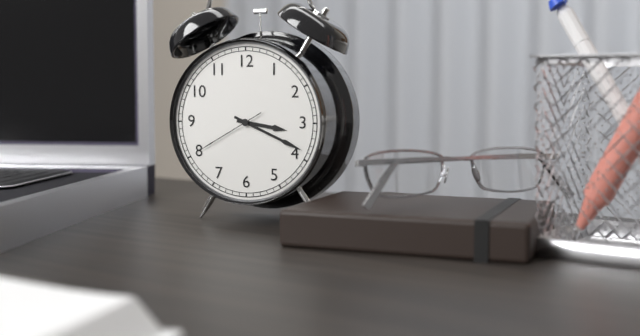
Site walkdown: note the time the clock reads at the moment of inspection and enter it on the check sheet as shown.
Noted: 3:19:40
